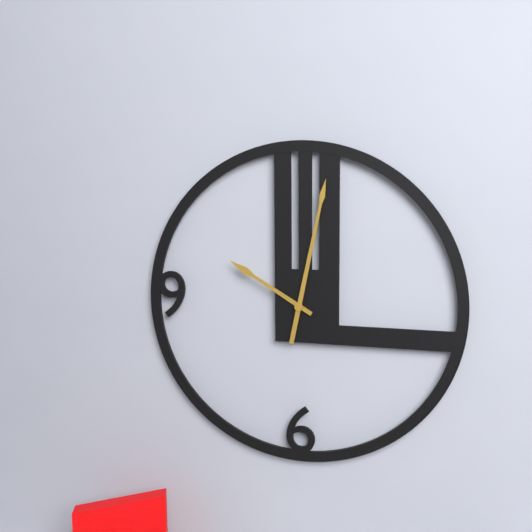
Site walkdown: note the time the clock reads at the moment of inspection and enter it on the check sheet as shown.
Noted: 10:02
